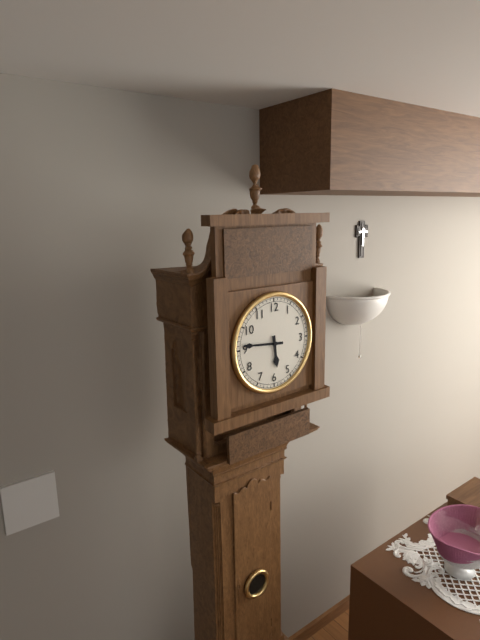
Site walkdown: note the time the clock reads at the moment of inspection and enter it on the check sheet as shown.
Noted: 5:46
